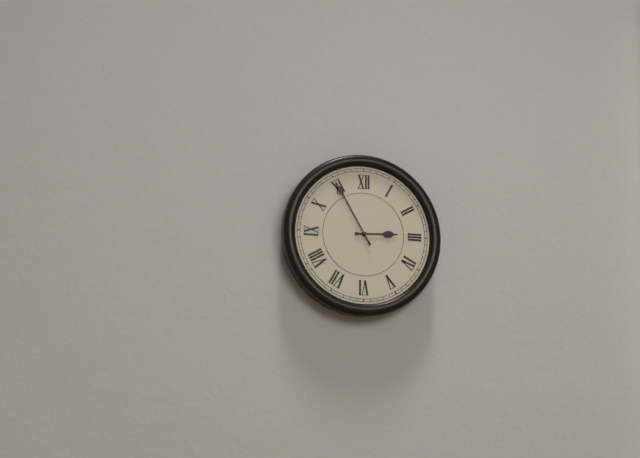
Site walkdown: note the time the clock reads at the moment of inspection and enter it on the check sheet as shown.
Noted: 2:55
